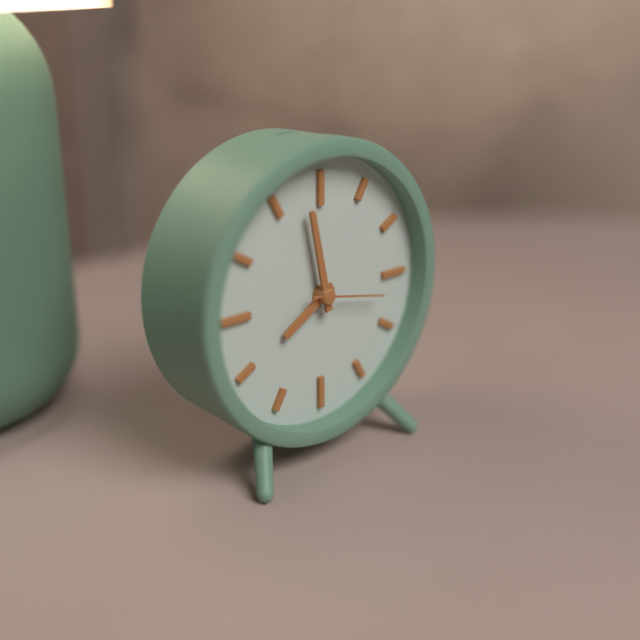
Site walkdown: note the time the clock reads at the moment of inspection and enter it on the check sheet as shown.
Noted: 7:58:17
